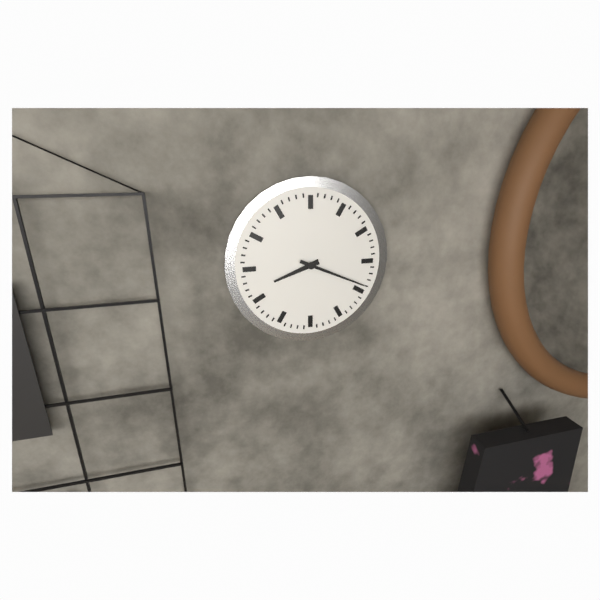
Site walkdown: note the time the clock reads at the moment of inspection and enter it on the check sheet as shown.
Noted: 8:19
